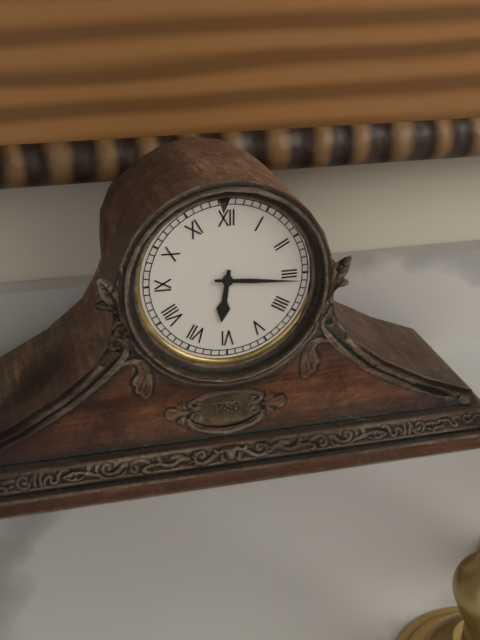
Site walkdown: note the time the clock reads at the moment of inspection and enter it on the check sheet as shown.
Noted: 6:16
